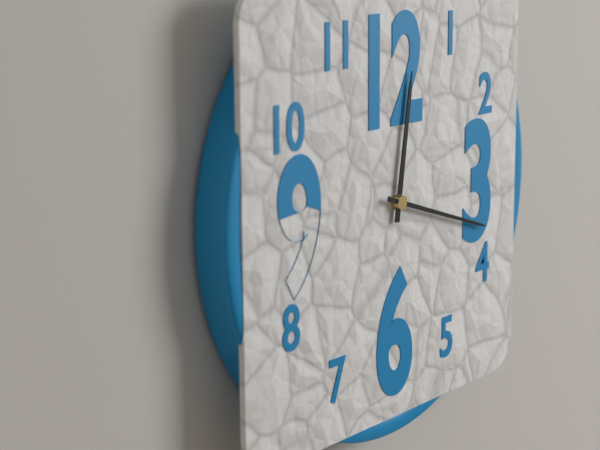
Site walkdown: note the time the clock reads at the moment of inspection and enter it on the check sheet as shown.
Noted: 12:18
